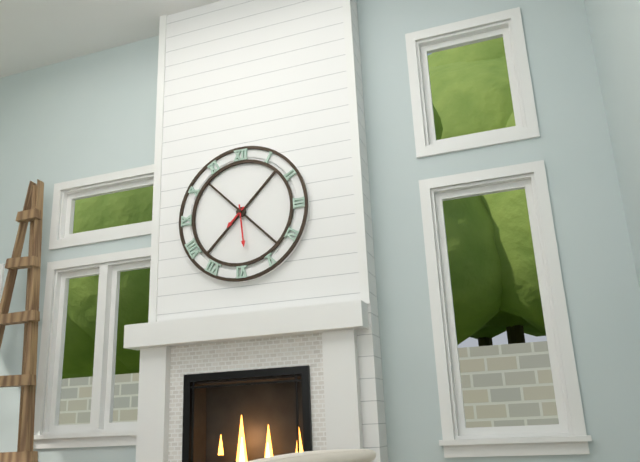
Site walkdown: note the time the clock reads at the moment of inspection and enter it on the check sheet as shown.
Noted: 7:29
